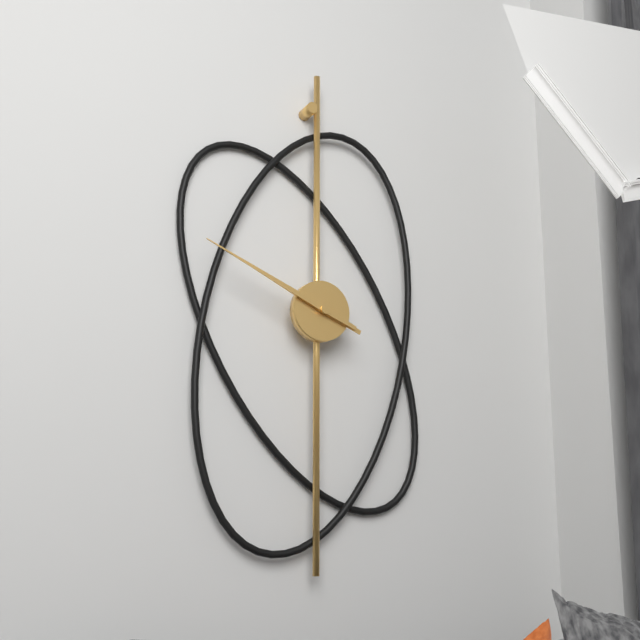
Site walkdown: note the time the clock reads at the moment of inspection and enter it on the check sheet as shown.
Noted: 9:49
